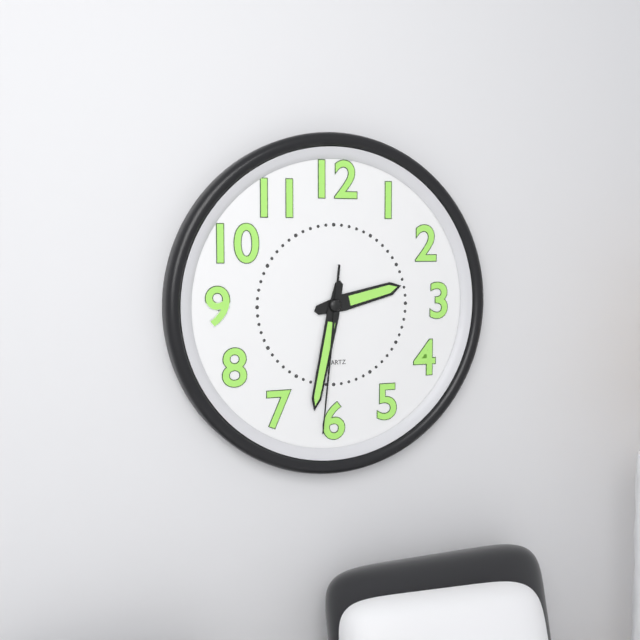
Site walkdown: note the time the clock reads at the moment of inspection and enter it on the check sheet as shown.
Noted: 2:32:31
